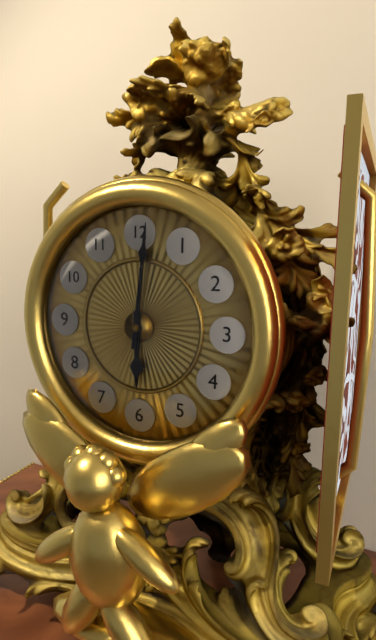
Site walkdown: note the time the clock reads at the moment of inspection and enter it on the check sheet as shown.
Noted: 6:01
